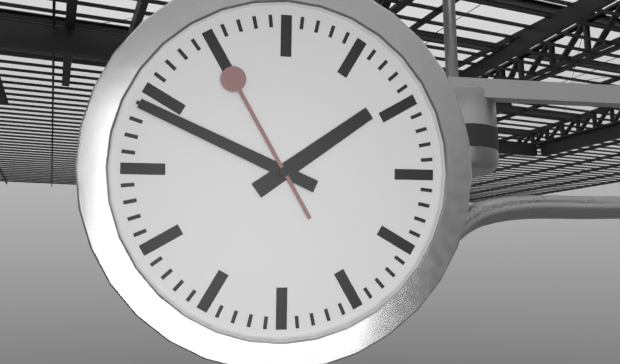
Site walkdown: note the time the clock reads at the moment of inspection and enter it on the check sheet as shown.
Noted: 1:49:55
